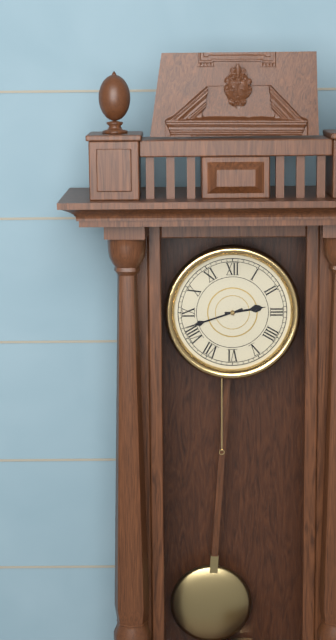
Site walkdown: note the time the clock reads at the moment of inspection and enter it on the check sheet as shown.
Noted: 2:42
